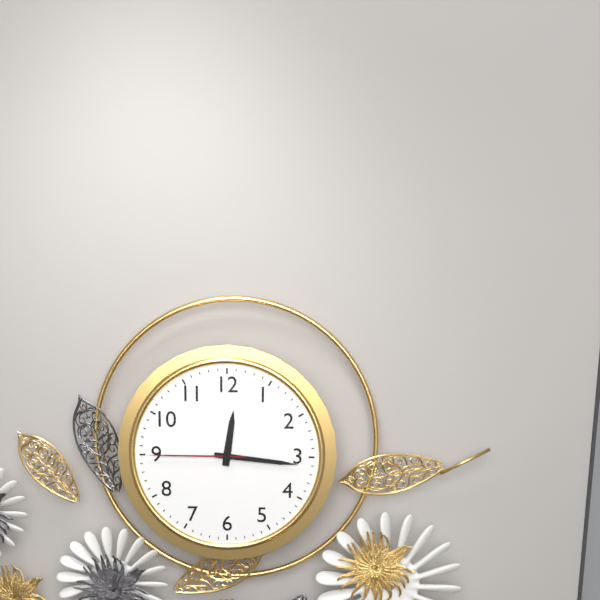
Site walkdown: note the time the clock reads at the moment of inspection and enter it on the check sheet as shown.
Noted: 12:16:45
